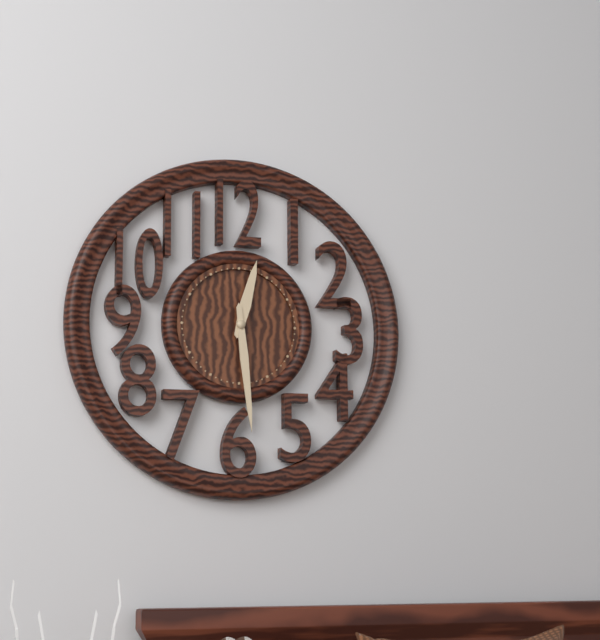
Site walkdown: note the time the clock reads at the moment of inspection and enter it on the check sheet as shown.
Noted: 12:29
